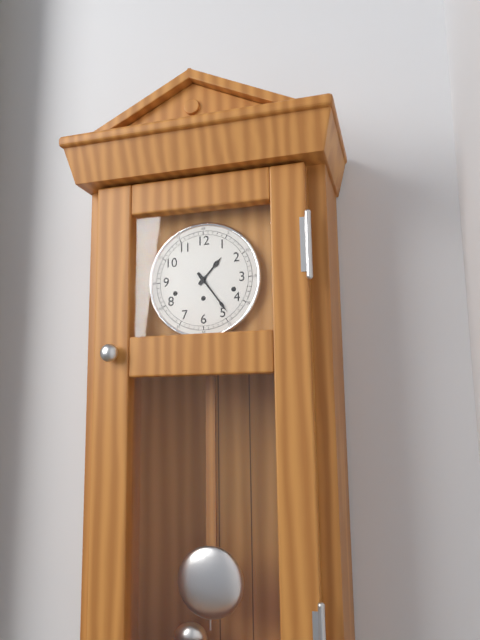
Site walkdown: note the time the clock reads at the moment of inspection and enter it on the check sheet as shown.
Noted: 1:24
